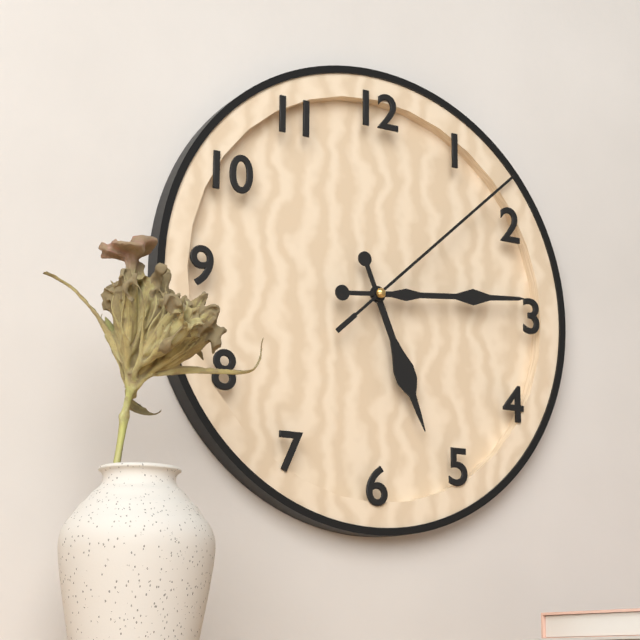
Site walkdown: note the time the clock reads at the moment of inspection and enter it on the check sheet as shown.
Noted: 5:14:08
